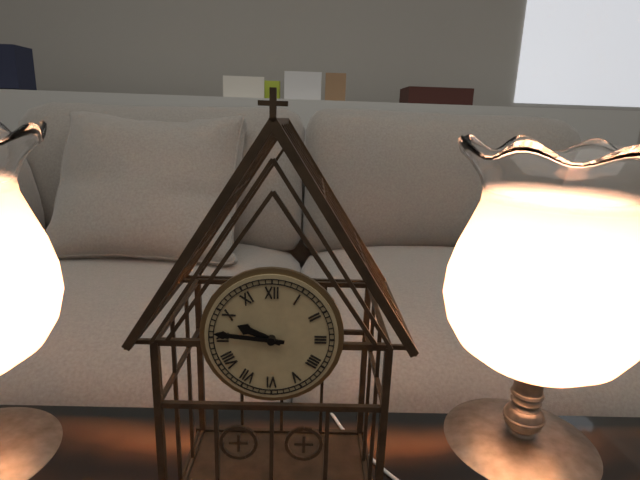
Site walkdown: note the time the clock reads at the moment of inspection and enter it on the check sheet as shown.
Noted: 9:46
